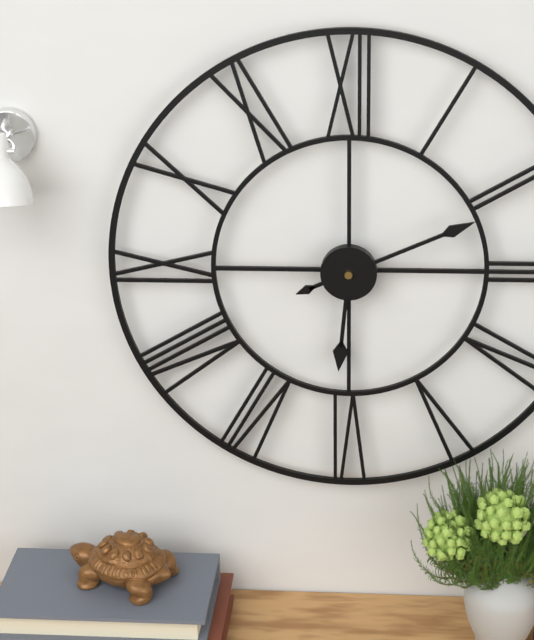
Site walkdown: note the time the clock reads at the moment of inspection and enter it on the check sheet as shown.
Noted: 6:11
